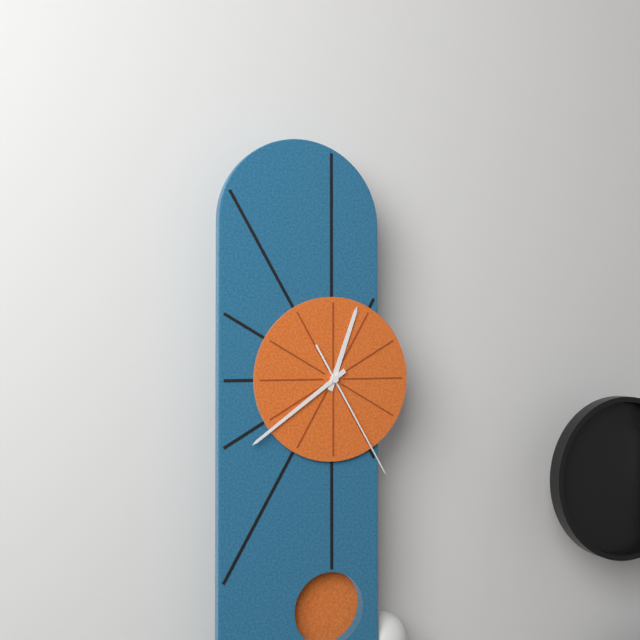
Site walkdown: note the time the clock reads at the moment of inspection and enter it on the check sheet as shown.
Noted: 12:39:25
